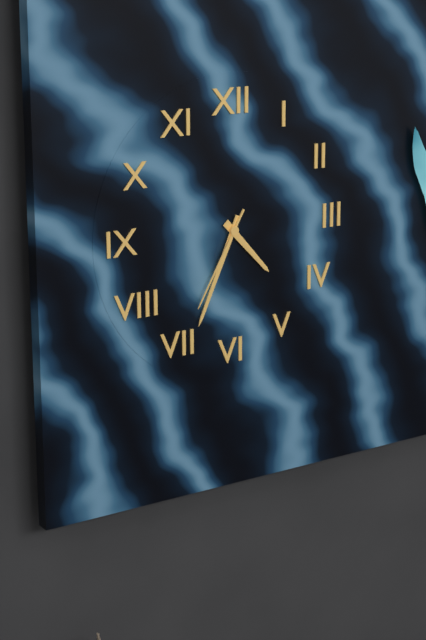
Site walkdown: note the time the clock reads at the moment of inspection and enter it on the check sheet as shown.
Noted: 4:34:35
